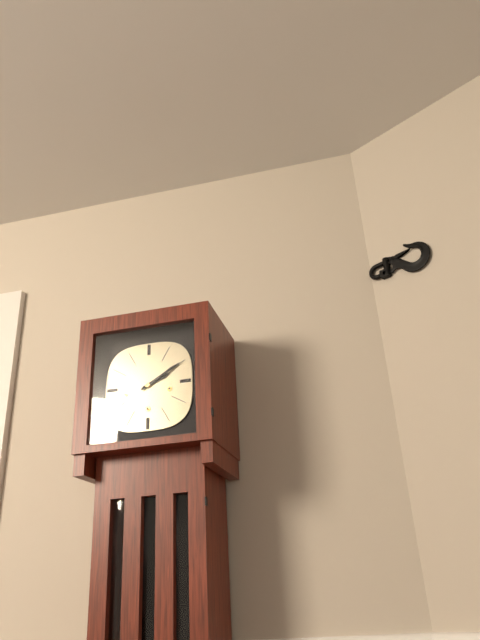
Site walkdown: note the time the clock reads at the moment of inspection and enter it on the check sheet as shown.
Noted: 2:10
